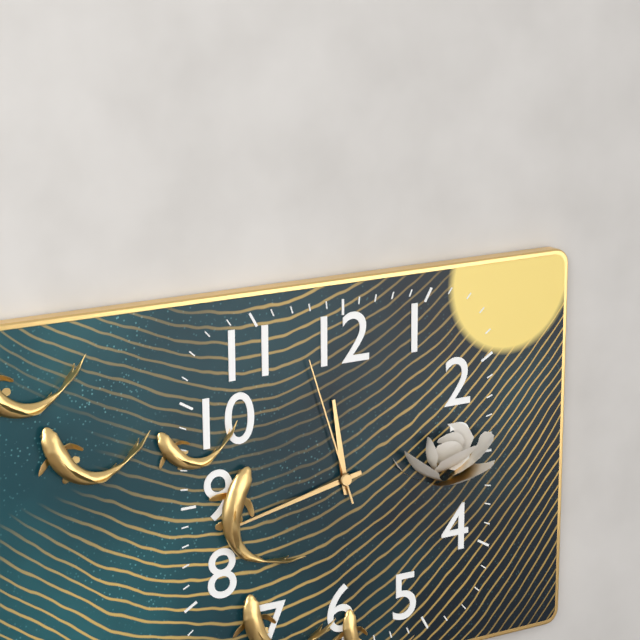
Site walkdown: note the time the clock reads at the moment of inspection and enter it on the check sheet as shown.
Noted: 11:43:57
